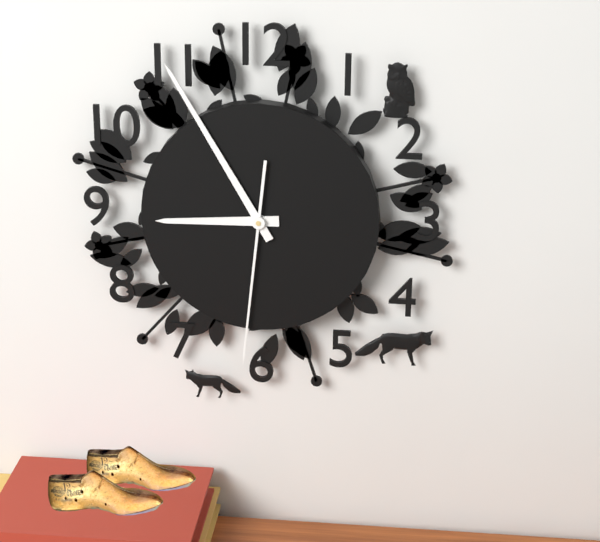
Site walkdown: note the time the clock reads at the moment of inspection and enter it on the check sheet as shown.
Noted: 8:55:31
